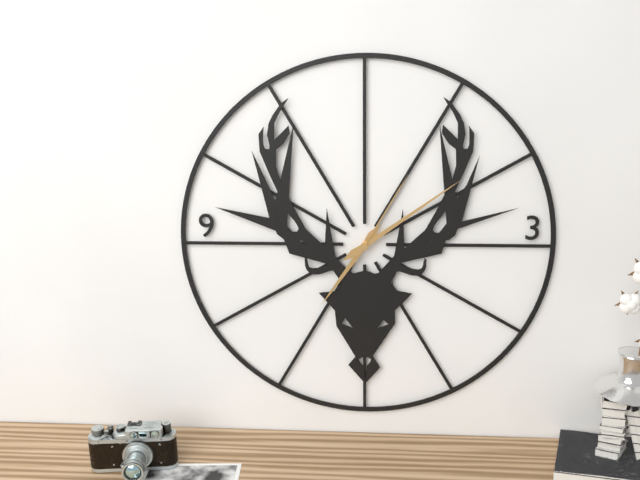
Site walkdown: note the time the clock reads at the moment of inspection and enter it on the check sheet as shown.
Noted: 7:09:05
